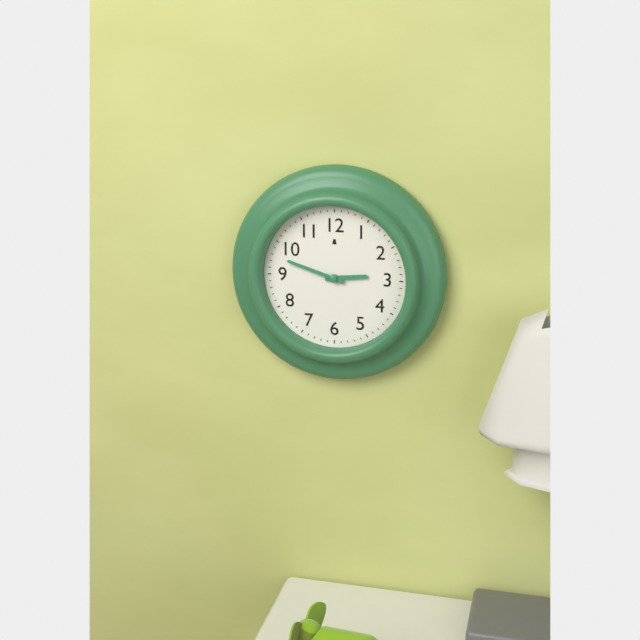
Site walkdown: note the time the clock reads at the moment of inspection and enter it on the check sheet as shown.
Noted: 2:48
